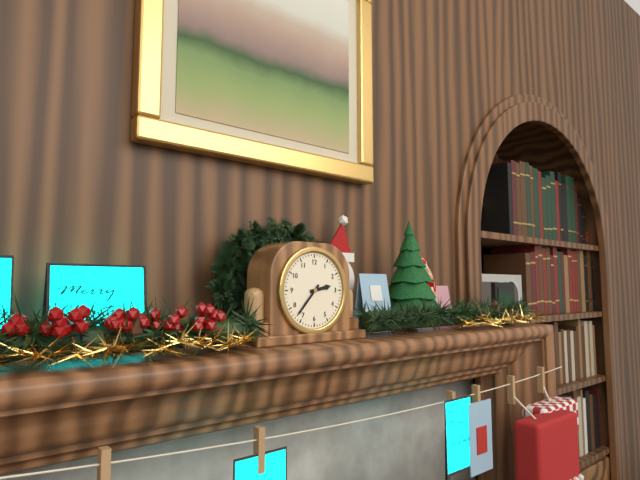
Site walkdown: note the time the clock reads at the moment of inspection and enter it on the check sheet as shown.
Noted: 2:37
